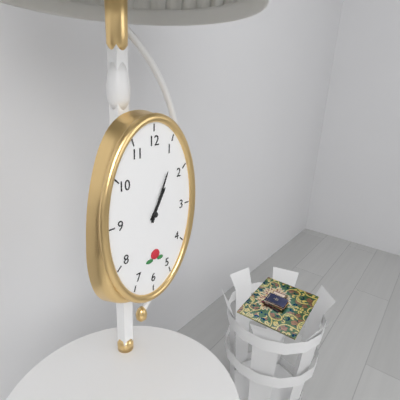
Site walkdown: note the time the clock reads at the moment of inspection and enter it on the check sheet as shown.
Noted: 1:04
